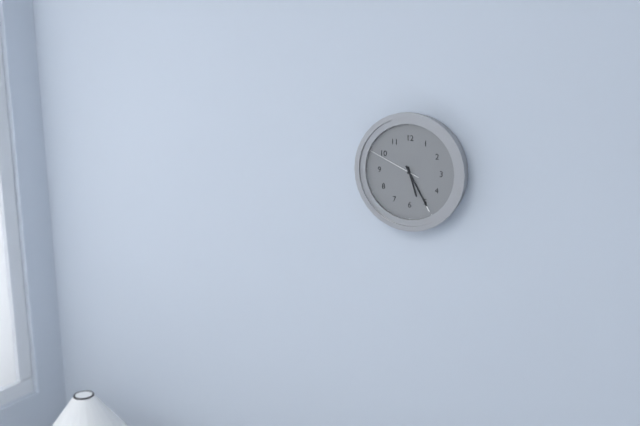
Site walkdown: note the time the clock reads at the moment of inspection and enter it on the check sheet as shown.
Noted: 5:25:49
